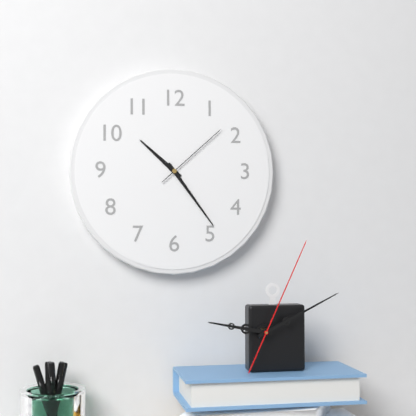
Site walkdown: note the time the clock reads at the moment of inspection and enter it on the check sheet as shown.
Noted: 10:24:08
